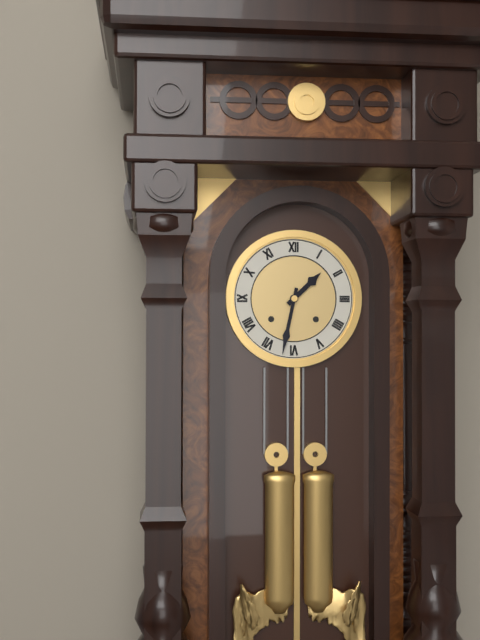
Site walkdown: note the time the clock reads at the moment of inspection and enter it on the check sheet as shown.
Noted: 1:32
